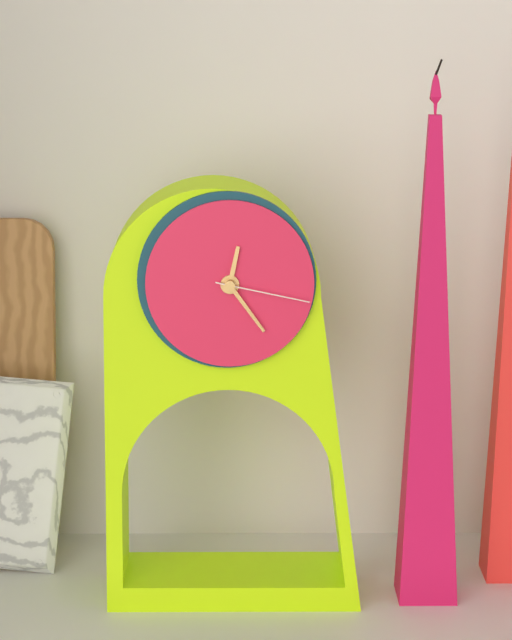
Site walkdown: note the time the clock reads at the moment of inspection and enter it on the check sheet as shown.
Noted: 12:24:17
